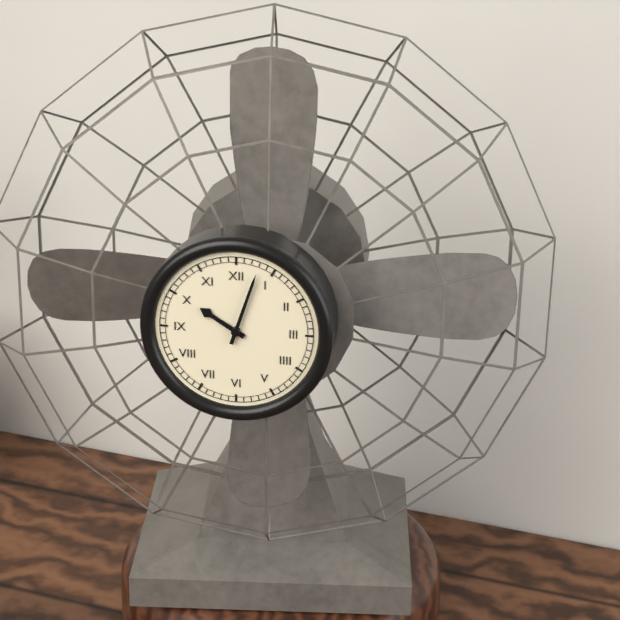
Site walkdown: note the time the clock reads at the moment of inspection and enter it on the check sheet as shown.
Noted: 10:03
